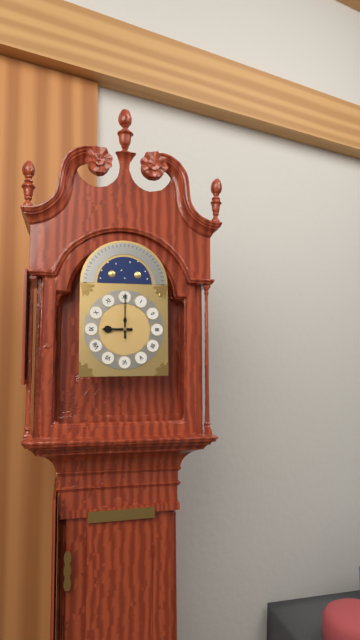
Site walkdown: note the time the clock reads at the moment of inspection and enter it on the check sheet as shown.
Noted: 9:00
